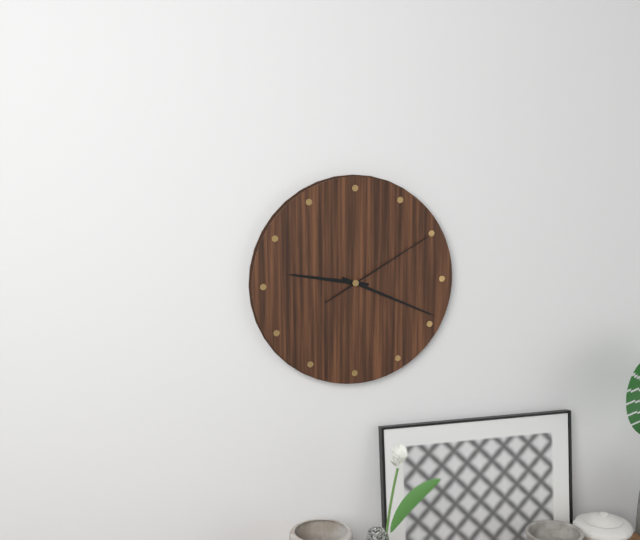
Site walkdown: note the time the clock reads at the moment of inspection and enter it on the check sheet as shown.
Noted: 9:19:10
